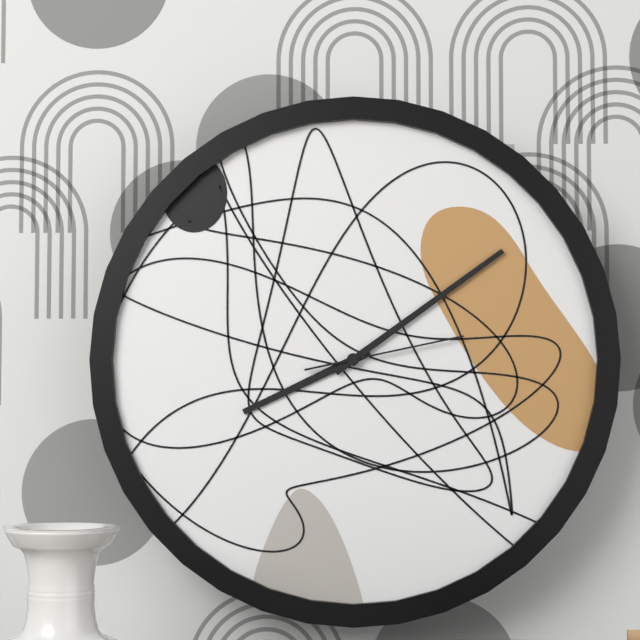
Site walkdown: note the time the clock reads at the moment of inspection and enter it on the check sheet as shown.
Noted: 8:09:13
